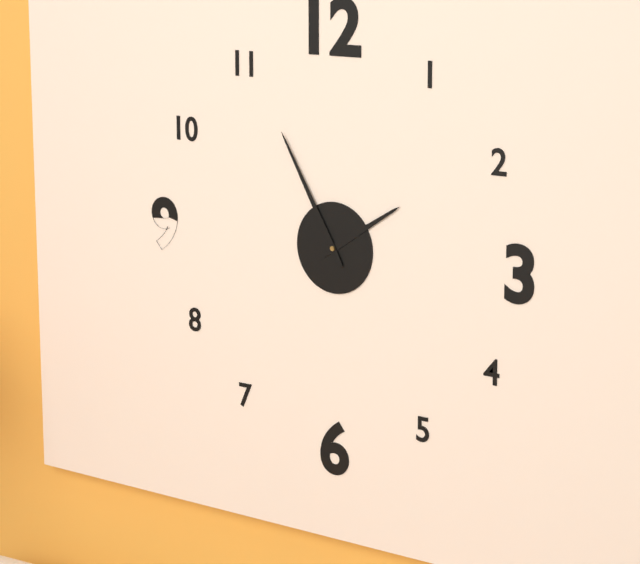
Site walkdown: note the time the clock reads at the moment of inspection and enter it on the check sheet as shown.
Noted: 1:55
